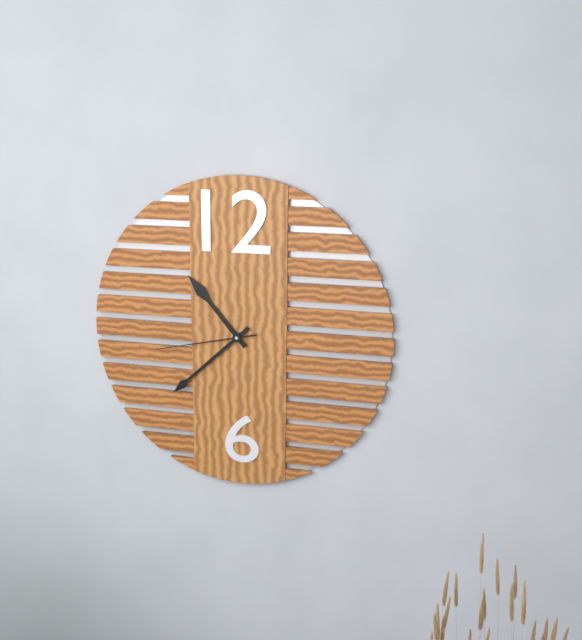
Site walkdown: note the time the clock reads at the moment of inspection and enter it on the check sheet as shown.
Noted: 10:38:43
